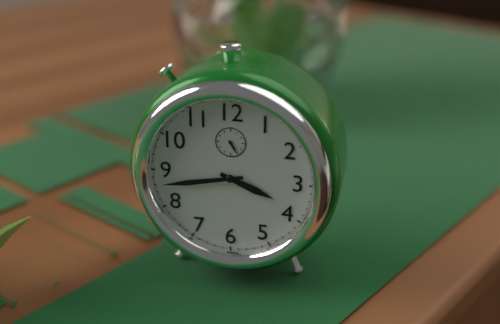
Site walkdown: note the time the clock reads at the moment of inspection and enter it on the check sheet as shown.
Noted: 3:43
